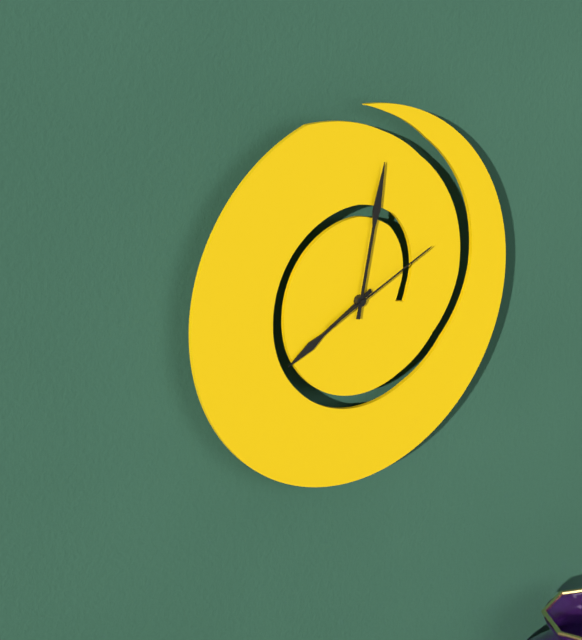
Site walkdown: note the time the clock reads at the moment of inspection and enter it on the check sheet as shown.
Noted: 8:02:11
